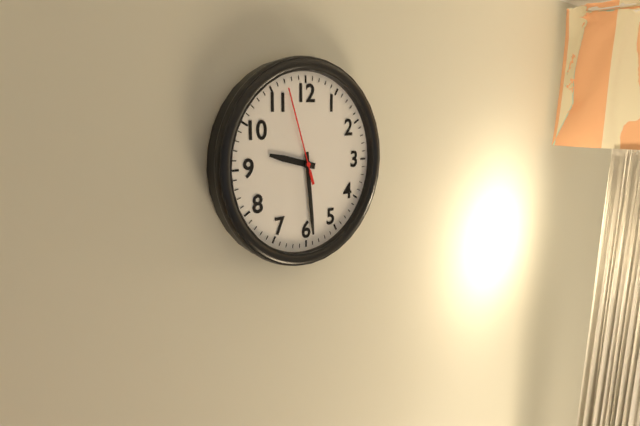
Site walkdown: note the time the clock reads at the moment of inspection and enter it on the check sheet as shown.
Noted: 9:29:57
